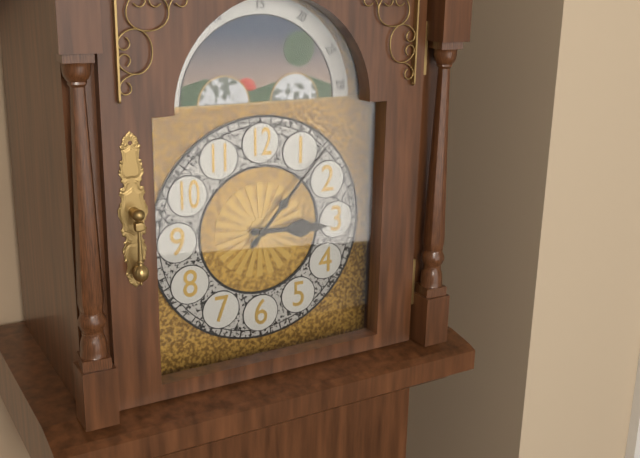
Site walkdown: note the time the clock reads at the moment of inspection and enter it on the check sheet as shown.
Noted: 3:07
